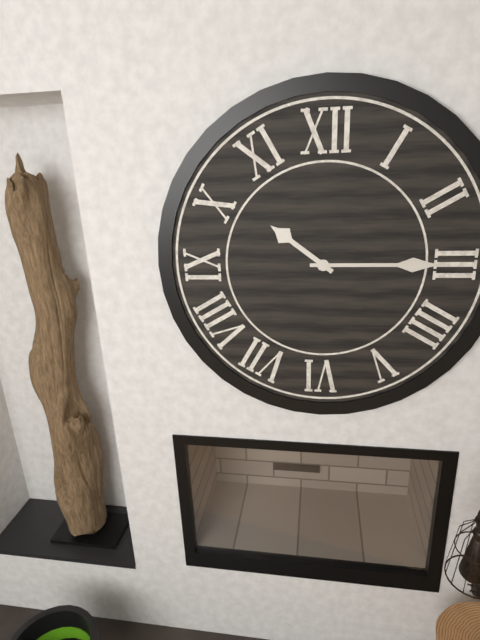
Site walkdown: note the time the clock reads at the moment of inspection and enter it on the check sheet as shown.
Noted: 10:15
